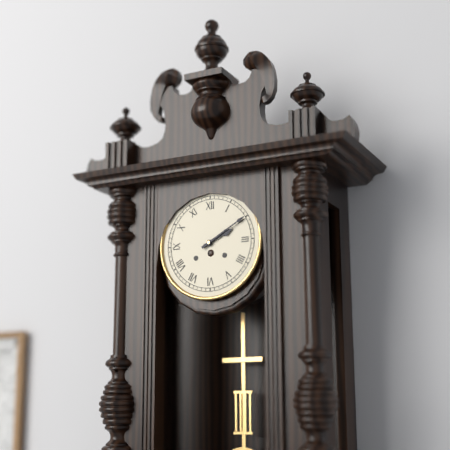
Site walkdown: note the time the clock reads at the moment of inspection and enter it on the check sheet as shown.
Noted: 2:10
